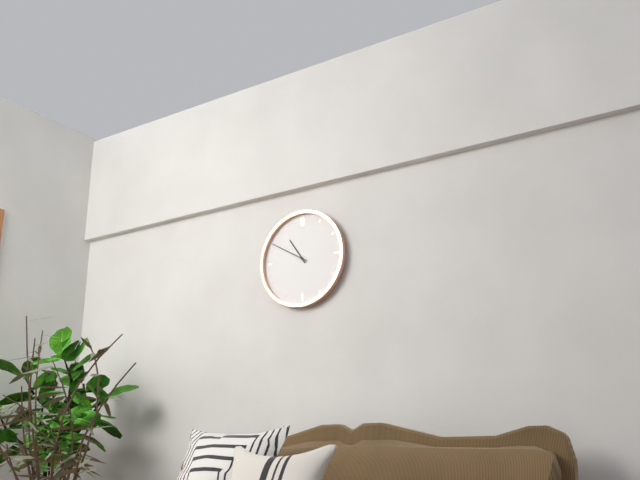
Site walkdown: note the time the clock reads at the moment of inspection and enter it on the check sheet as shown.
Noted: 10:50
